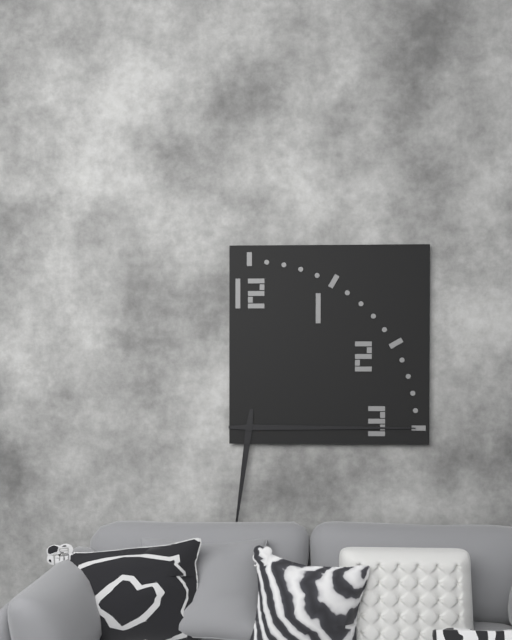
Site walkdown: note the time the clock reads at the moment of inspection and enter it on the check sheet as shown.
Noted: 6:15
